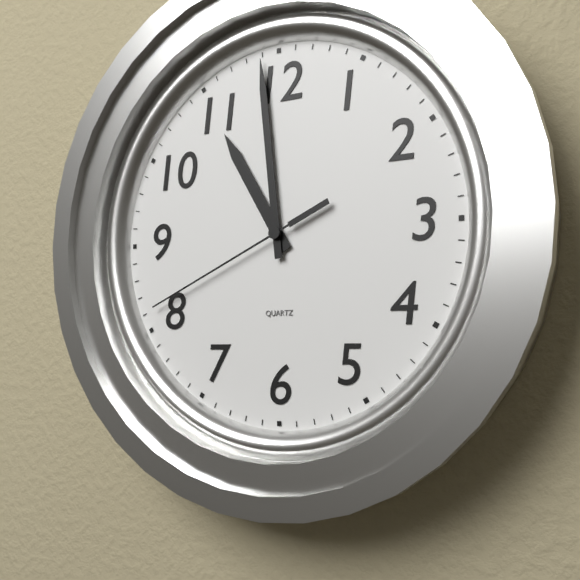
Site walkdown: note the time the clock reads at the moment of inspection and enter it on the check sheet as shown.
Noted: 10:59:41
